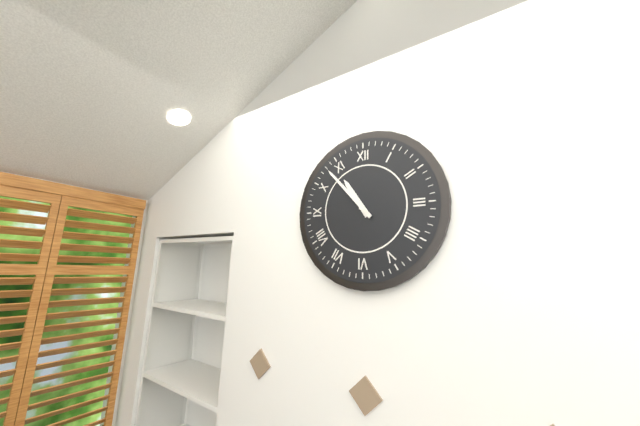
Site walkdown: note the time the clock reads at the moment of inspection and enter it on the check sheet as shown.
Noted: 10:53
